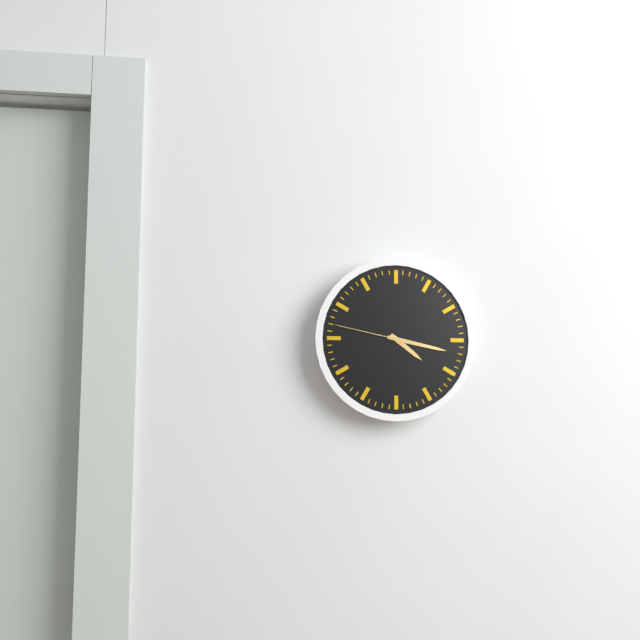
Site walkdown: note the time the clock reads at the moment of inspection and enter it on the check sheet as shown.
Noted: 4:17:47
